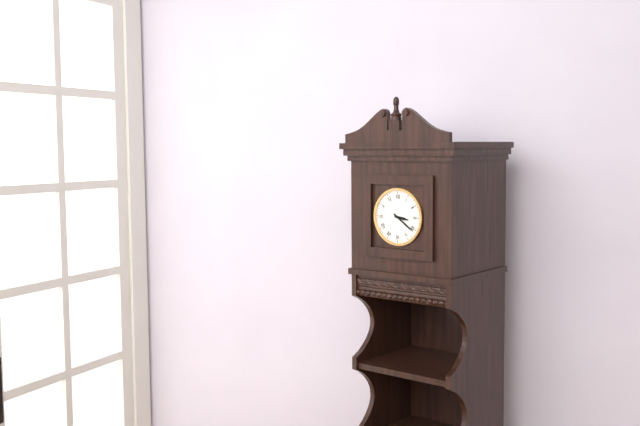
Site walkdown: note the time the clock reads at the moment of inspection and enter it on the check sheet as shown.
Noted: 3:21
